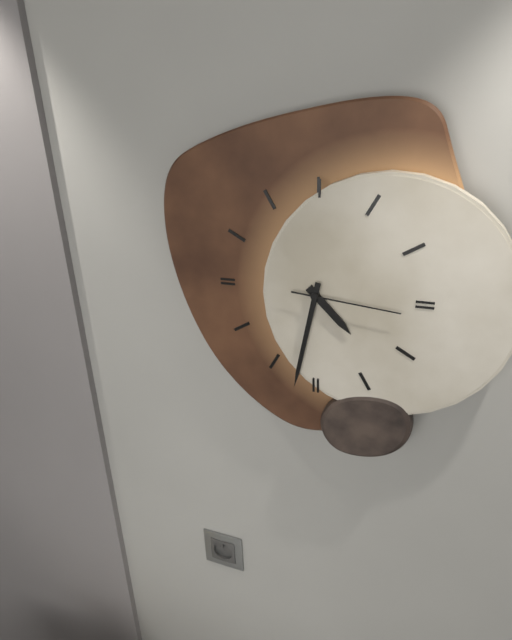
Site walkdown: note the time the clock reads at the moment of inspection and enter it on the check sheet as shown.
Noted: 4:32:16
